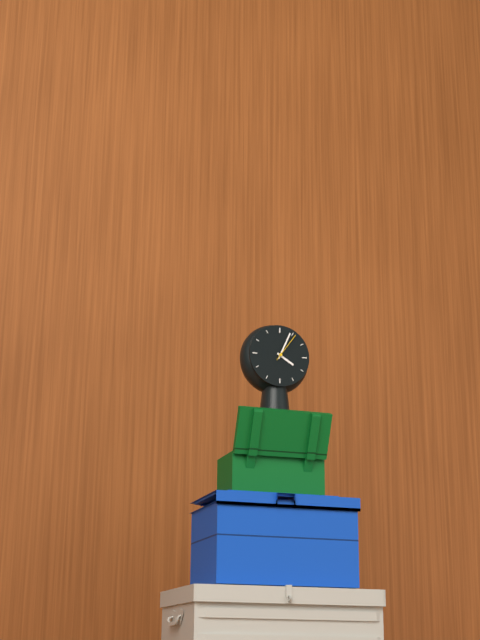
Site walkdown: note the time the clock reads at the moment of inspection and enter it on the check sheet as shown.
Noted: 4:04
